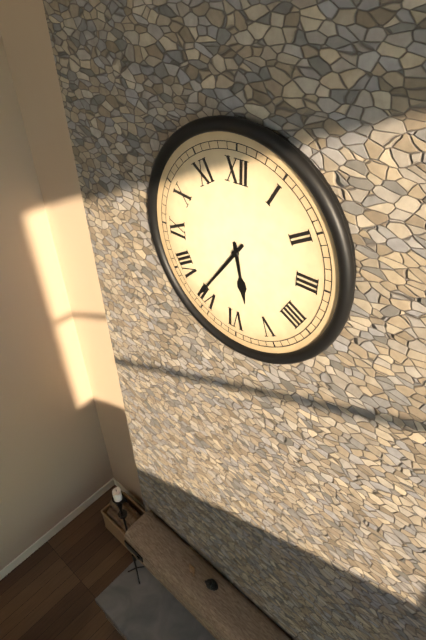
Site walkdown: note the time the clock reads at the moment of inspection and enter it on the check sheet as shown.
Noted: 5:36
